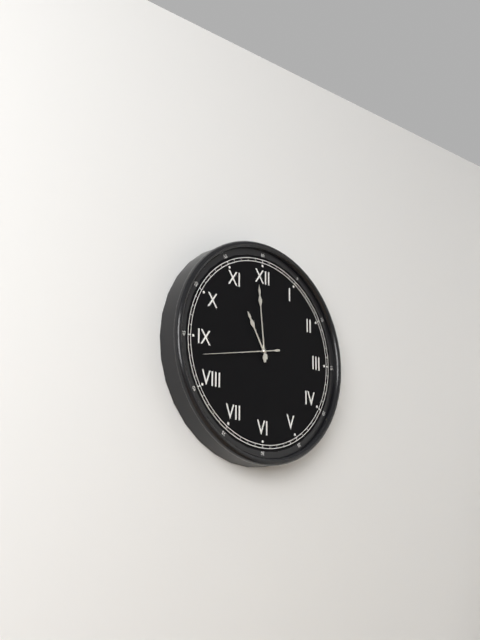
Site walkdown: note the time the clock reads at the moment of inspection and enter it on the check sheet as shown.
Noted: 10:59:43
